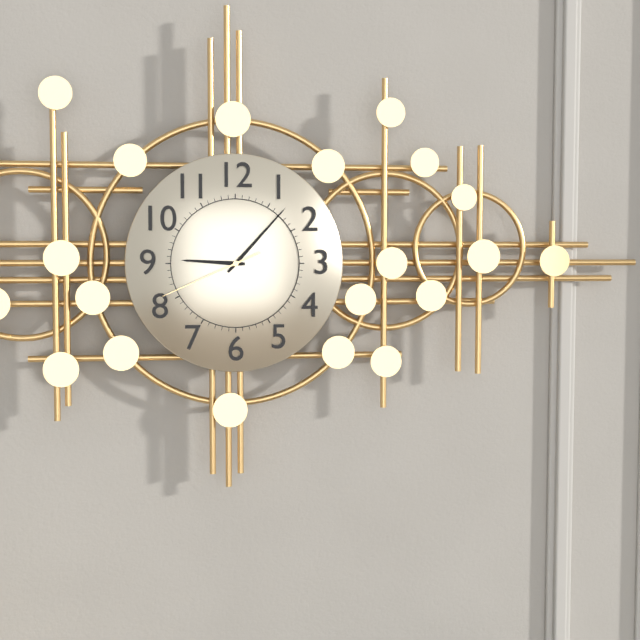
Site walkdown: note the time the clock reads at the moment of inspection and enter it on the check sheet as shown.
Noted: 9:07:41
